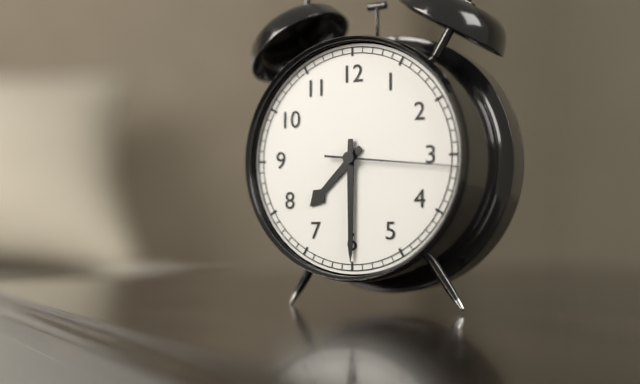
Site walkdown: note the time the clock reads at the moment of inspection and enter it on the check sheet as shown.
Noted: 7:30:16
